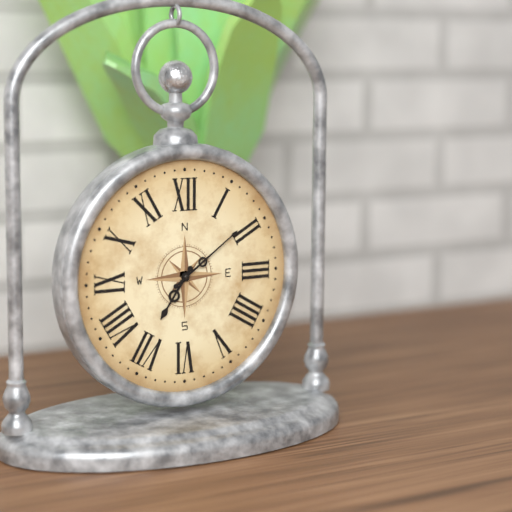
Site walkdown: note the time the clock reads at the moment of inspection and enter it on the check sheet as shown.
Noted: 7:09
